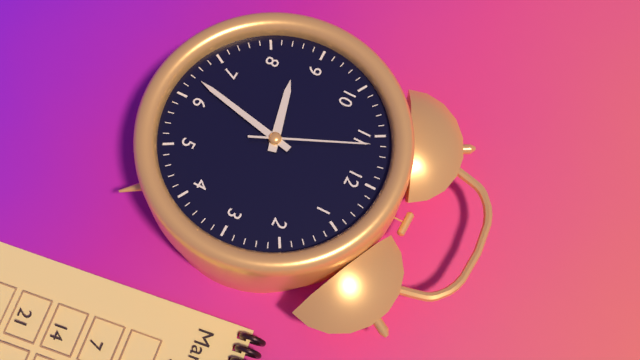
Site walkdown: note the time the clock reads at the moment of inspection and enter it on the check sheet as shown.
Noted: 8:32:56
